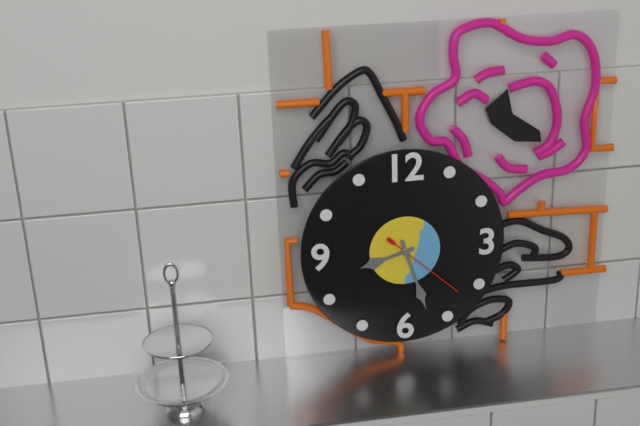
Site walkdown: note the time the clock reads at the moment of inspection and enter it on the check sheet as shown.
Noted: 8:27:22
